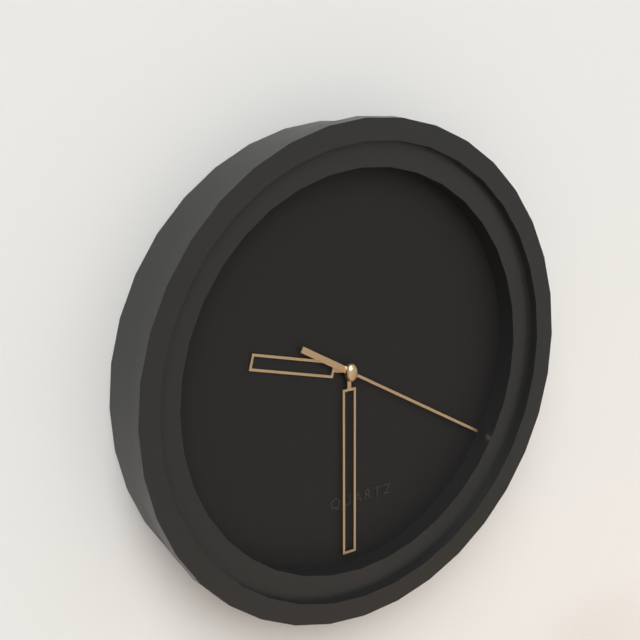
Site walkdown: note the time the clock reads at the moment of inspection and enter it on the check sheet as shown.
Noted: 9:30:20
